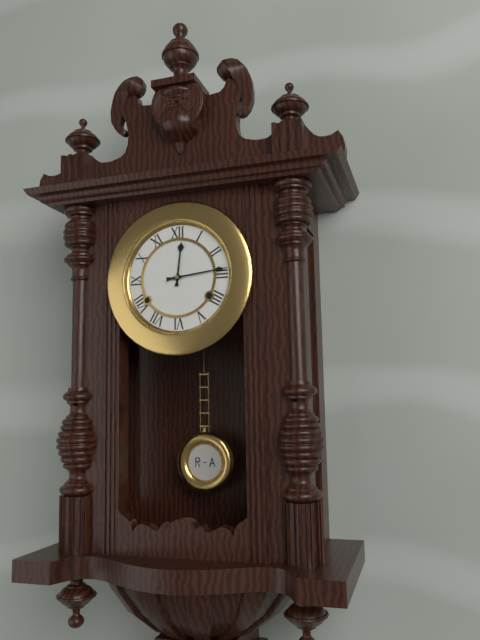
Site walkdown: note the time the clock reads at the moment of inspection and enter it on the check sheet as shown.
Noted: 12:14
